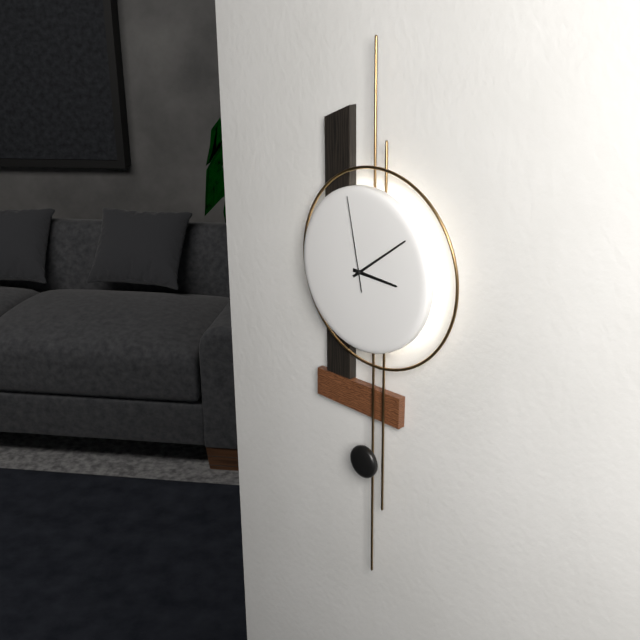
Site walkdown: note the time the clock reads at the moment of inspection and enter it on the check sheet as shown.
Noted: 3:09:58
